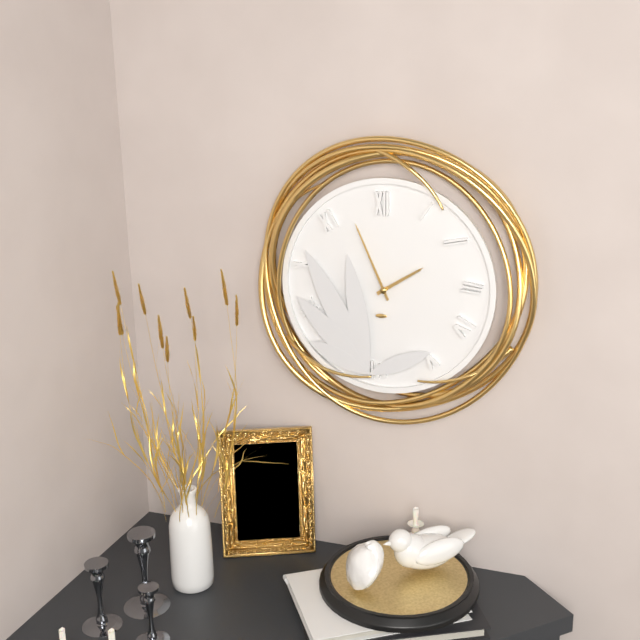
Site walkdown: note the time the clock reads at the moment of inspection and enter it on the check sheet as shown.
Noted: 1:56
